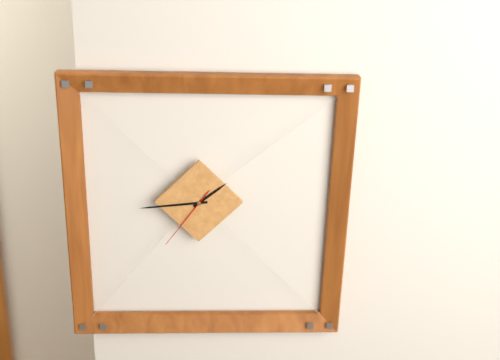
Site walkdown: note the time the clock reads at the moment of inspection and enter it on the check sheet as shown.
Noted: 1:44:36
